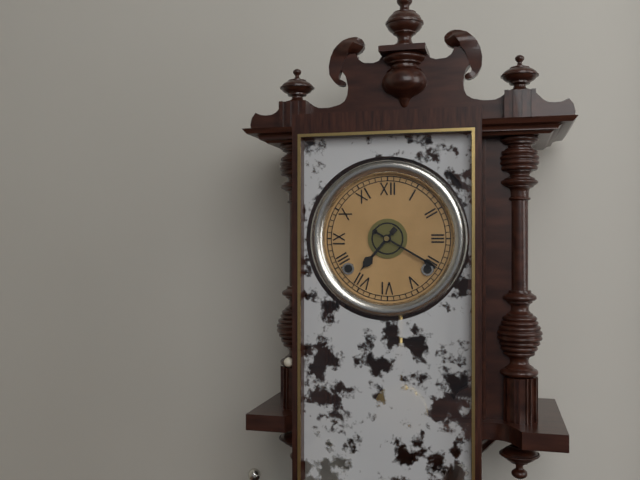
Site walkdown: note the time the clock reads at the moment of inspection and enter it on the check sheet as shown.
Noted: 7:20
